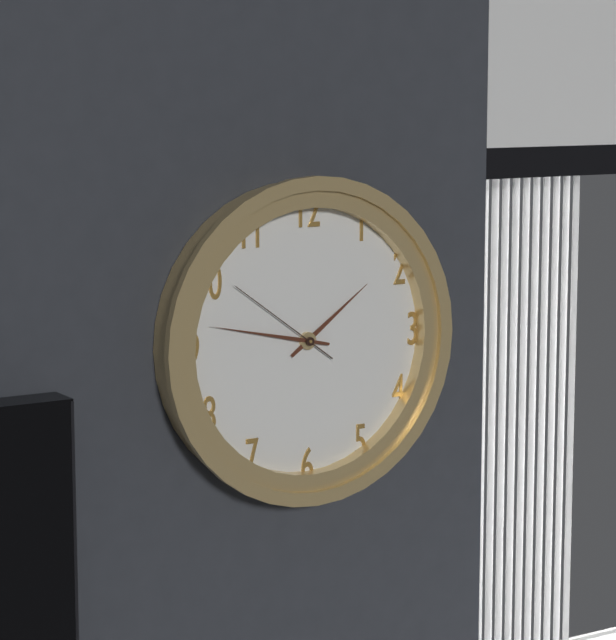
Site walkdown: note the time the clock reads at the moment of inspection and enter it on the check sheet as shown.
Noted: 1:47:51
